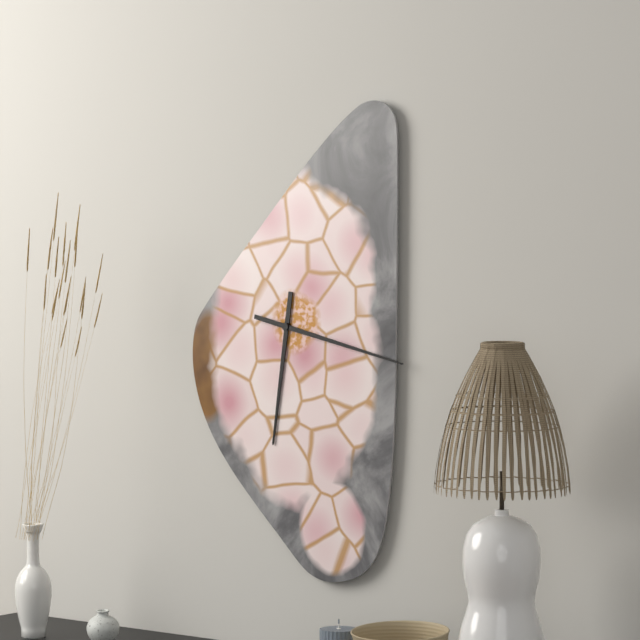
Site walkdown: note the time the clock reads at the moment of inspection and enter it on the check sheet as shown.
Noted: 6:17
